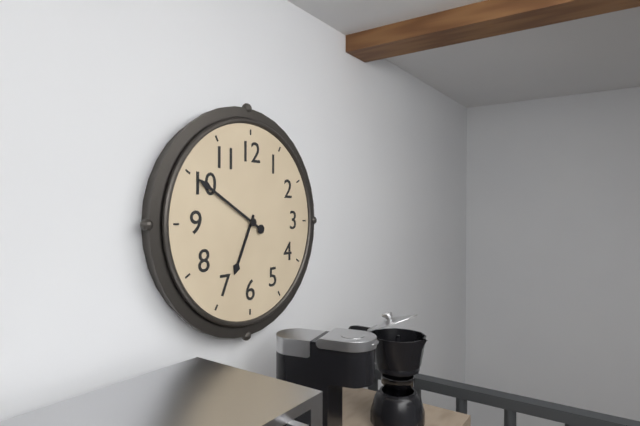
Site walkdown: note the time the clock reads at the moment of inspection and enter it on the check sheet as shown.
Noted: 6:50
